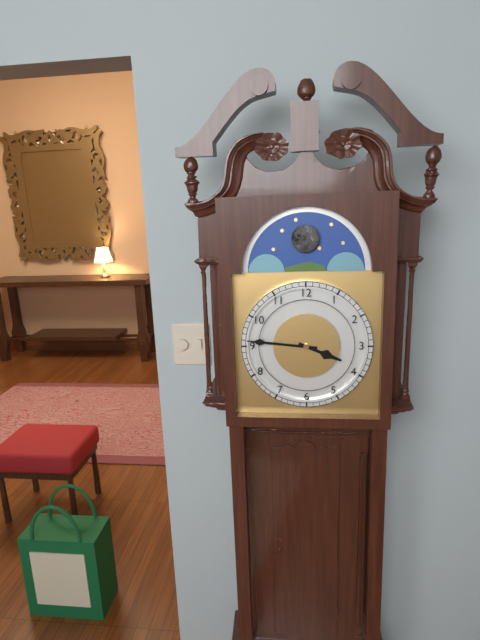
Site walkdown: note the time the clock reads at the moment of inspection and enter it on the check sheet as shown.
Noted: 3:46
